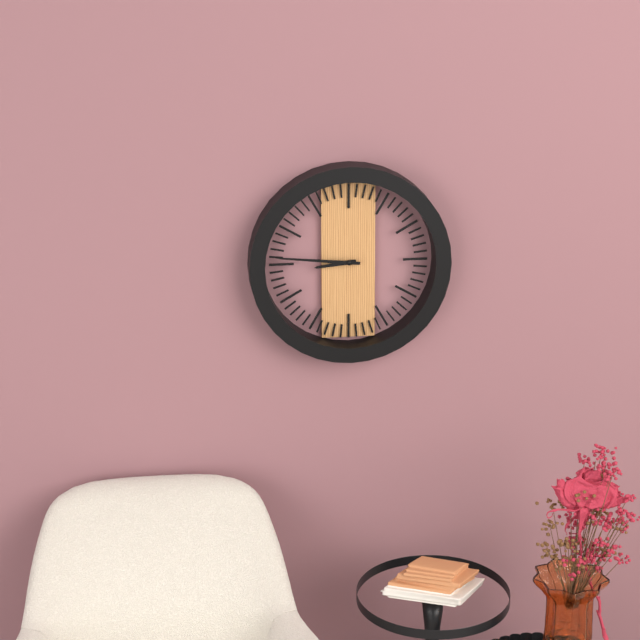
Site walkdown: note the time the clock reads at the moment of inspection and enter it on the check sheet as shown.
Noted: 8:46
